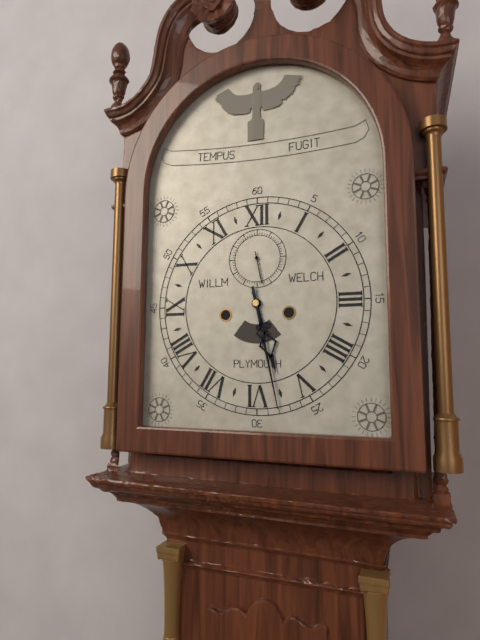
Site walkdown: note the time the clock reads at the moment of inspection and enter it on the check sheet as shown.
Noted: 5:28
